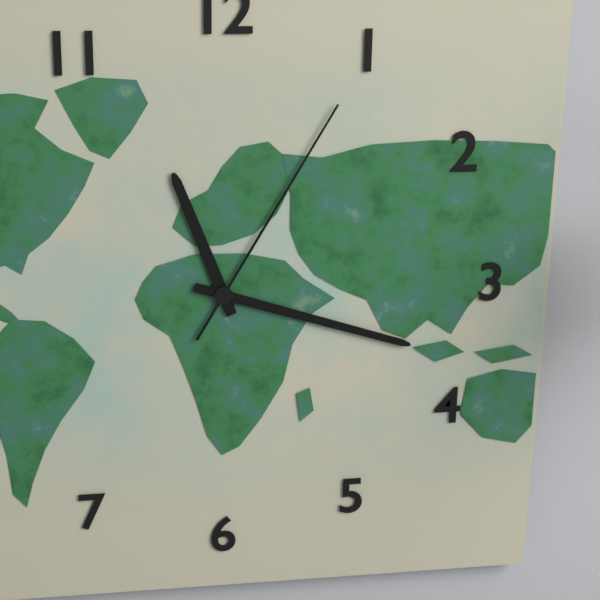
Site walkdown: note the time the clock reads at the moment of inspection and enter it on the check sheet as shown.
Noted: 11:18:05
